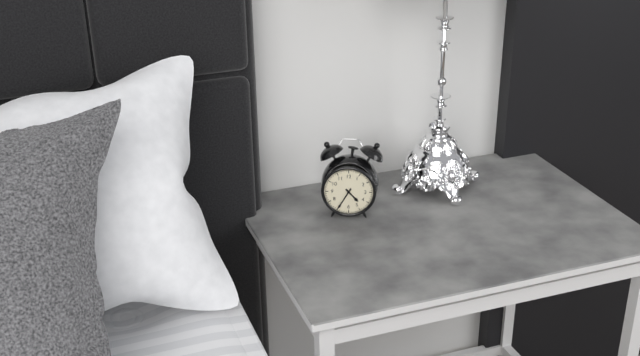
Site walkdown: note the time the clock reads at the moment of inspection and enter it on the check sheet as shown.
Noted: 4:35
